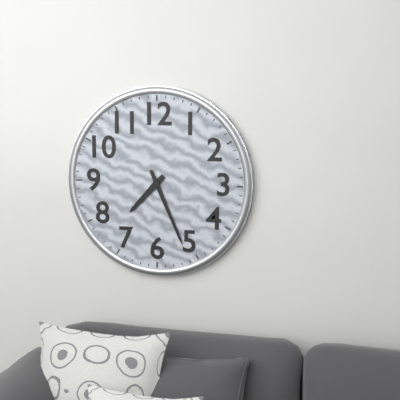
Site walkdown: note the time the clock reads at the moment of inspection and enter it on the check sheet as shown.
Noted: 7:26
